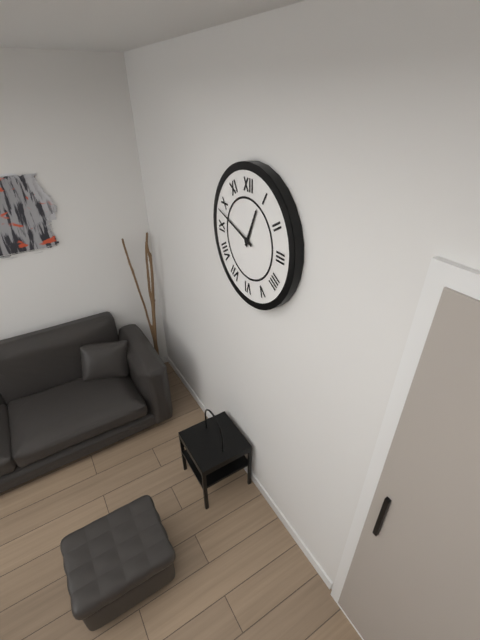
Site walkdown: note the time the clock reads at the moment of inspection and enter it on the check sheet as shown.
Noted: 12:48
